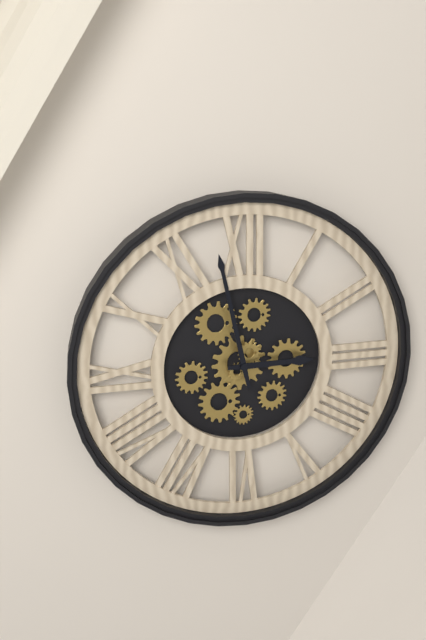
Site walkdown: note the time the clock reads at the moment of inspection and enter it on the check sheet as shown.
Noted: 2:58
